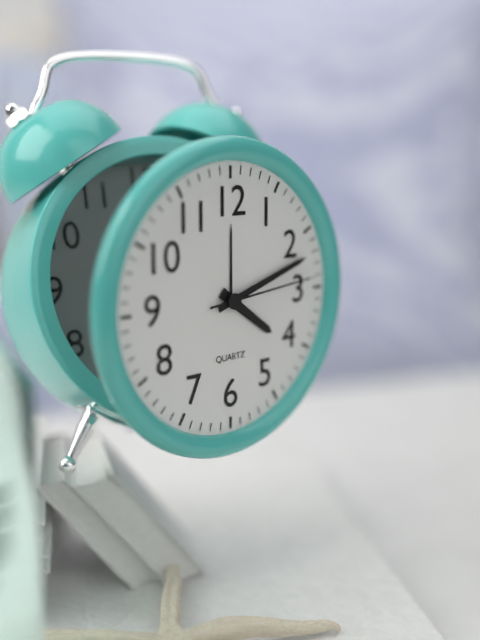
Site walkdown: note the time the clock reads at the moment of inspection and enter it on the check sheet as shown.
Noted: 4:12:14
